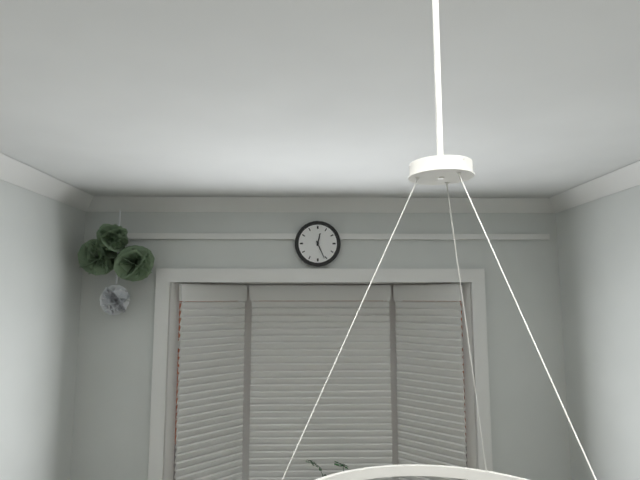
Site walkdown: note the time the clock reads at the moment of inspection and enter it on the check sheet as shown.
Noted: 12:26
